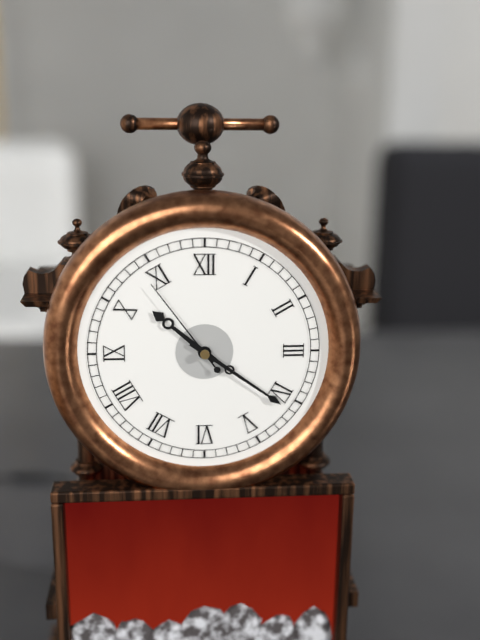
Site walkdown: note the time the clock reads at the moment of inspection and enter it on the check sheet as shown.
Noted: 10:21:54
